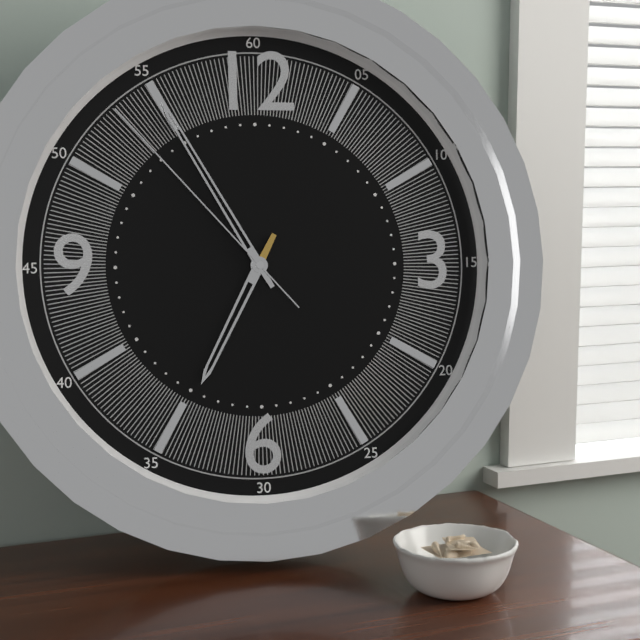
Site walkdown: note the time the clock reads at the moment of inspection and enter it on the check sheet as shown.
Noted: 6:55:53
